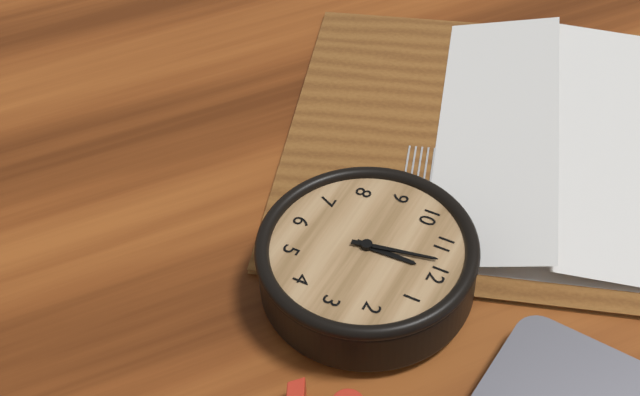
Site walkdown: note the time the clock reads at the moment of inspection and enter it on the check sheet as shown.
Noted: 11:58
